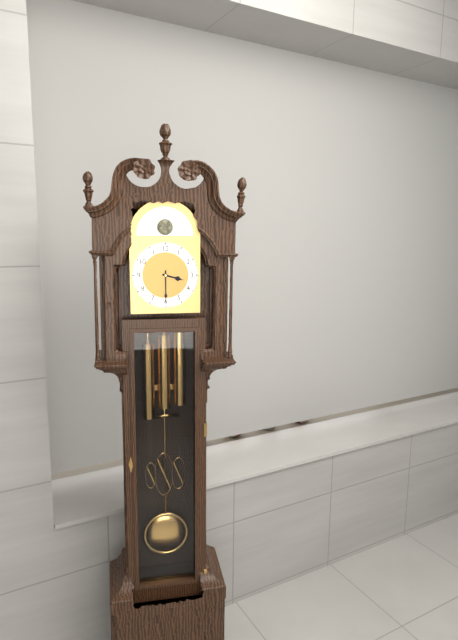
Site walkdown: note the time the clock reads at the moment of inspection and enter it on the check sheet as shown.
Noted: 3:30
